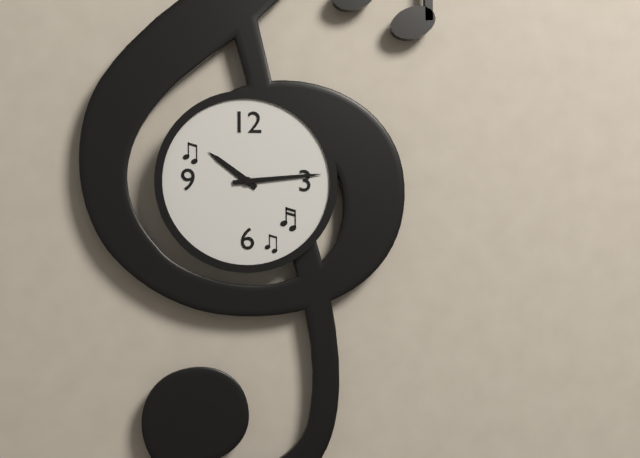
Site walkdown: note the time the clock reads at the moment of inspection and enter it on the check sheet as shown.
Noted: 10:14
